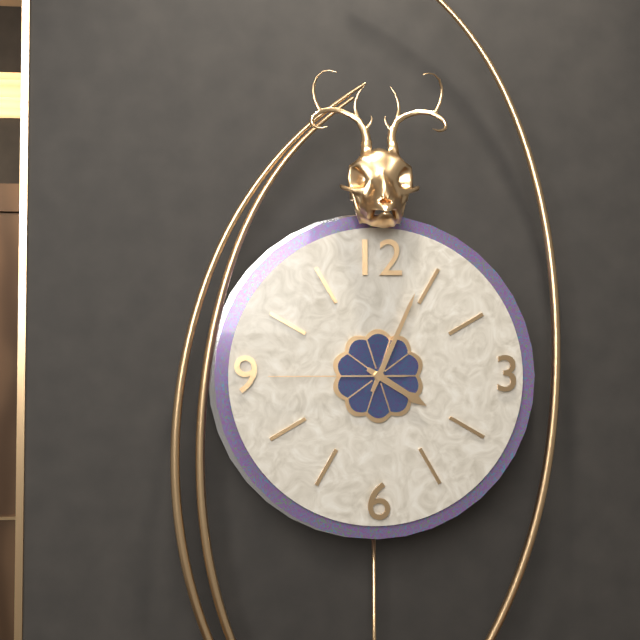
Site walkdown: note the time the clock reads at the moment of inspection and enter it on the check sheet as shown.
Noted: 4:04:45
